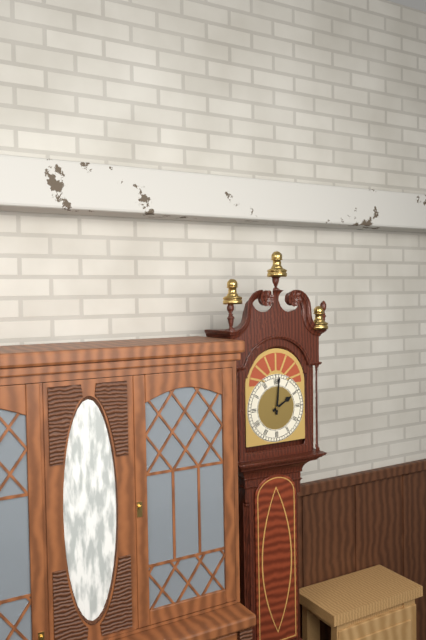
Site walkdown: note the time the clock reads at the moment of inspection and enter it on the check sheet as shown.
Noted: 2:01
